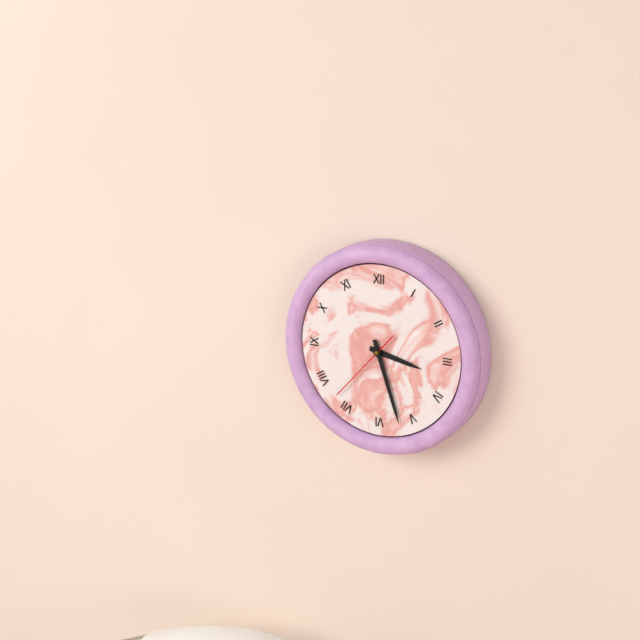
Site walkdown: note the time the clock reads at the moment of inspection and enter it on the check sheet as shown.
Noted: 3:27:37
